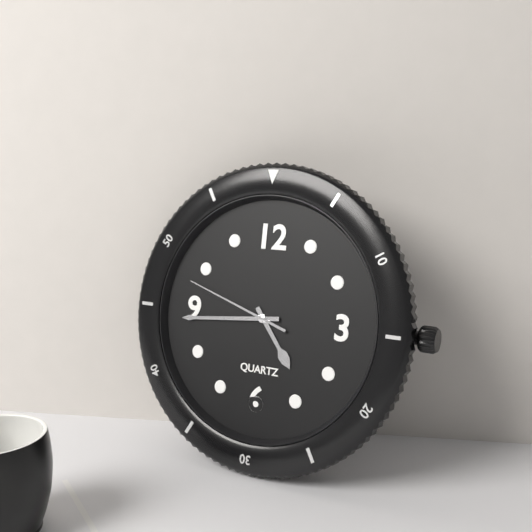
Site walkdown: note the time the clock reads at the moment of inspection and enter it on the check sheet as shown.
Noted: 4:44:48
